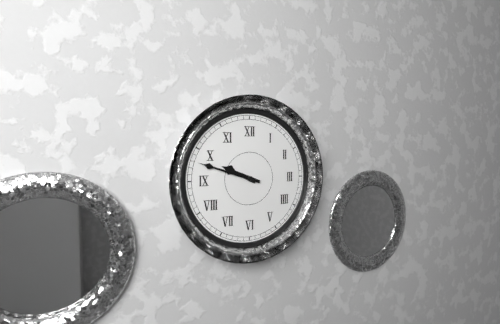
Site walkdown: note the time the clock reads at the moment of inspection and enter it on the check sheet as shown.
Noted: 9:48
